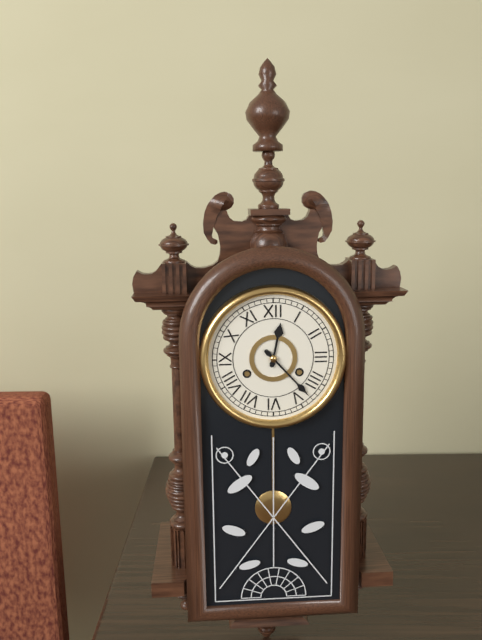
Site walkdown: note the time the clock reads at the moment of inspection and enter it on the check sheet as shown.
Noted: 12:23
